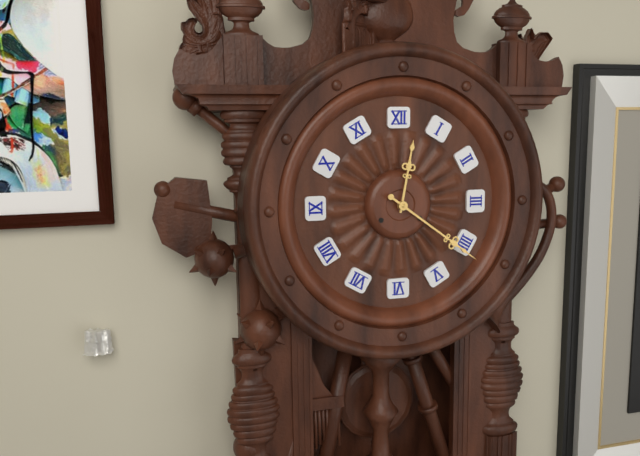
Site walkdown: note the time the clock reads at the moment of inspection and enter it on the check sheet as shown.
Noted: 12:21
